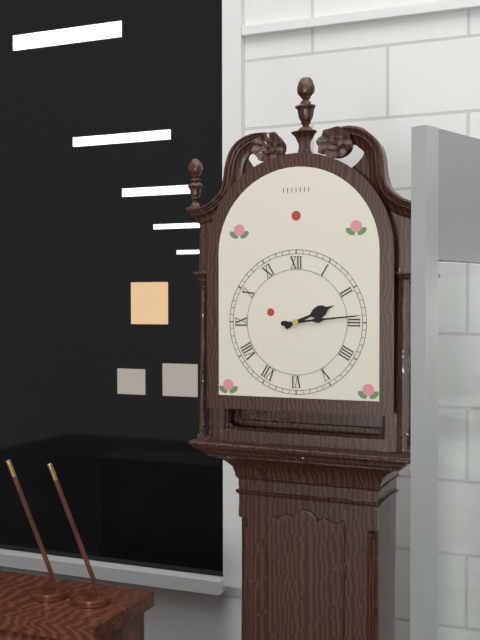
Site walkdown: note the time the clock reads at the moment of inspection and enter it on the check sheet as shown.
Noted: 2:14
